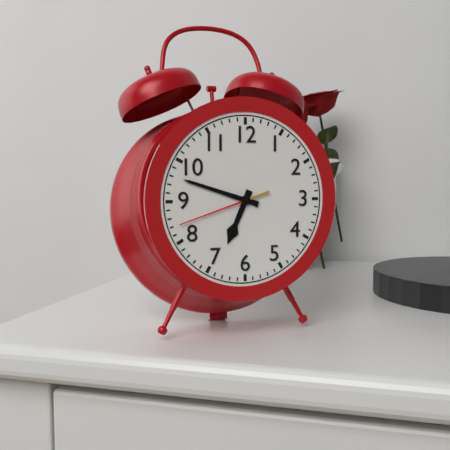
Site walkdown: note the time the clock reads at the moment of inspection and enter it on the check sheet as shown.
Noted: 6:48:42
